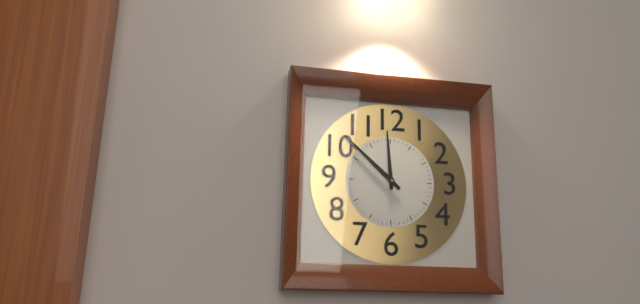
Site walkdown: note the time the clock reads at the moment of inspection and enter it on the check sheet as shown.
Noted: 11:52
